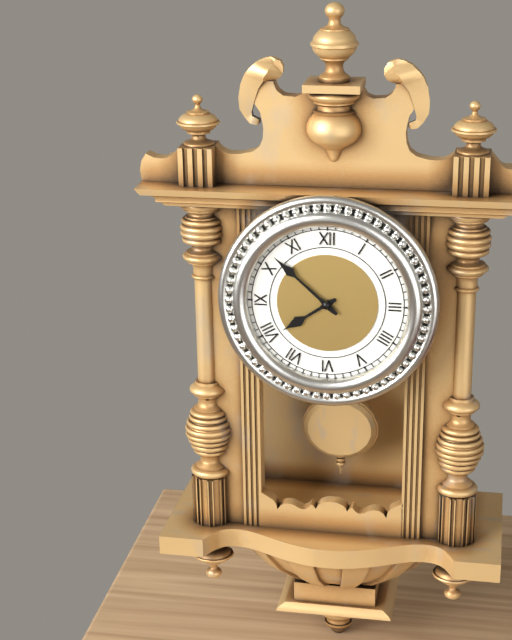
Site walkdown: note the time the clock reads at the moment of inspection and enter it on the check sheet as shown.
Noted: 7:52
